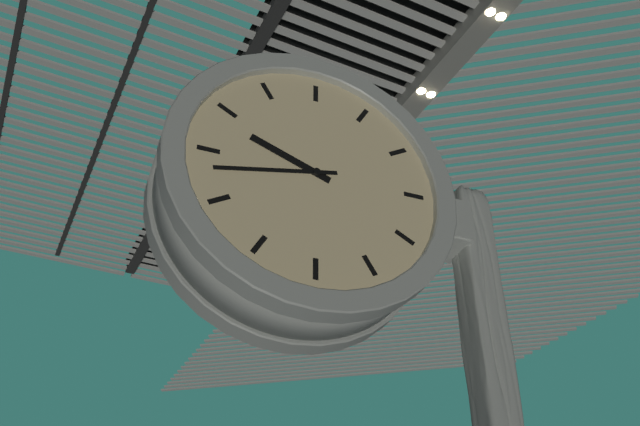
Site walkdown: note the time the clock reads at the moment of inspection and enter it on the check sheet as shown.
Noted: 9:43
